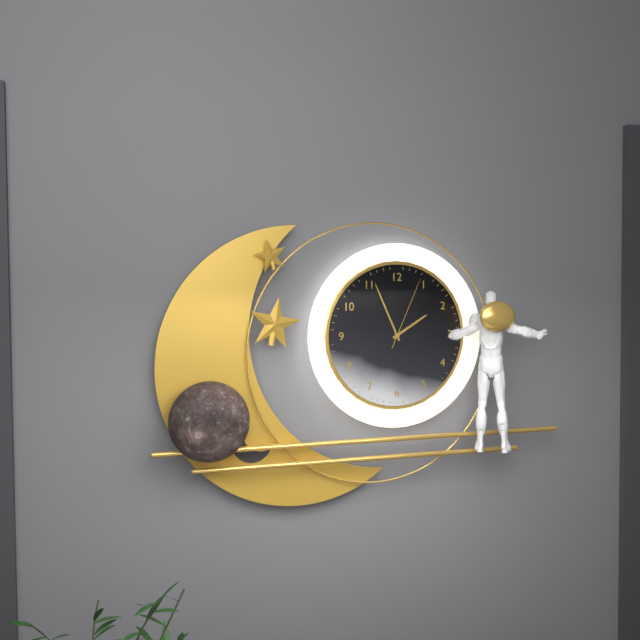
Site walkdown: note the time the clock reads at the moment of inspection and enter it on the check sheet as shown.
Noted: 1:56:04
